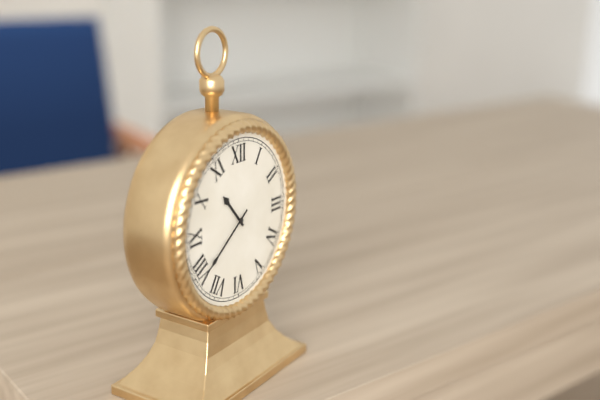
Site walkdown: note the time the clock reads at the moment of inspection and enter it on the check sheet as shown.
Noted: 10:39
